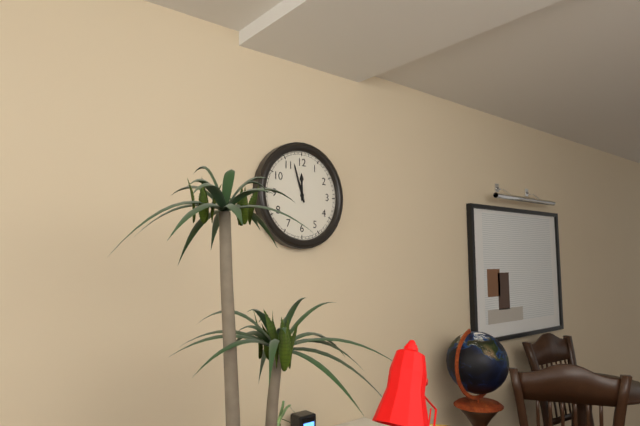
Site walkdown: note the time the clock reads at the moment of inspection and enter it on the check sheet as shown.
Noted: 11:57
